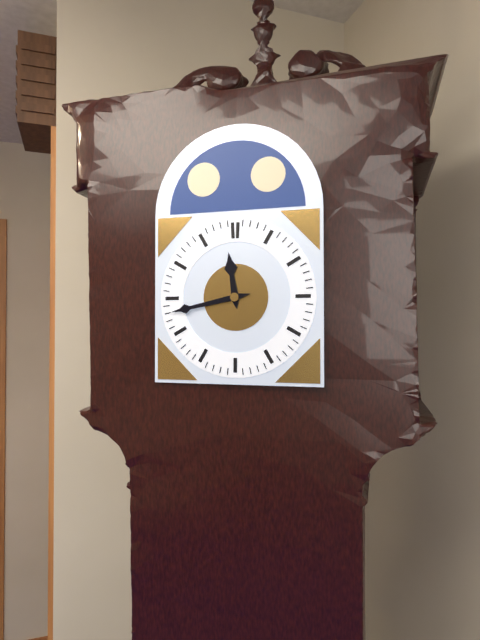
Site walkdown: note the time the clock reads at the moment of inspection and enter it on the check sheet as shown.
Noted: 11:43
